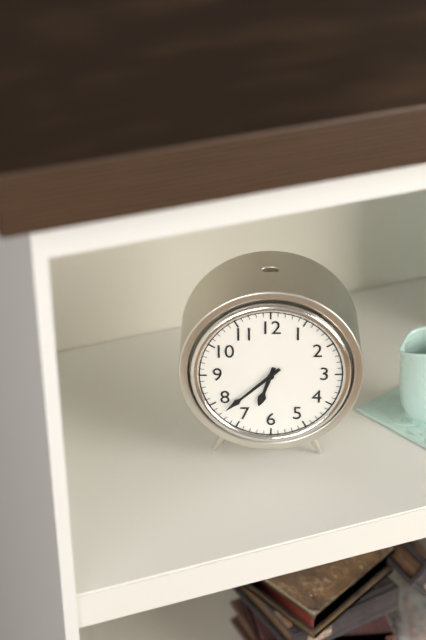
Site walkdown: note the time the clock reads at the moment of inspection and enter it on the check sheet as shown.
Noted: 6:38
